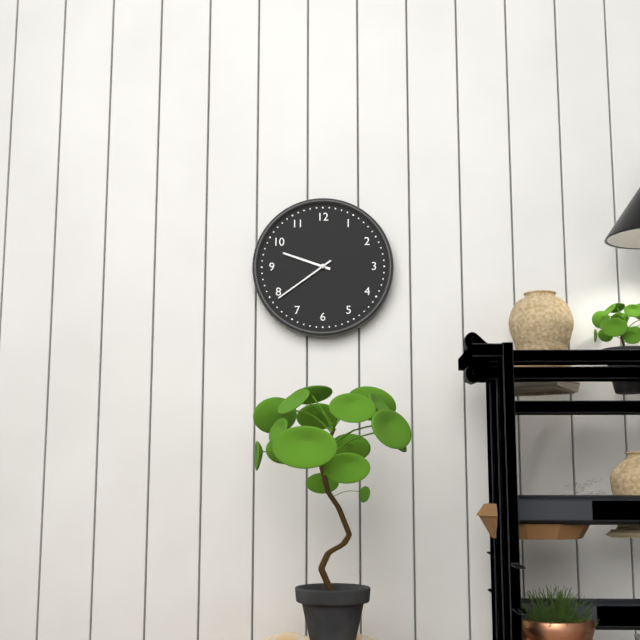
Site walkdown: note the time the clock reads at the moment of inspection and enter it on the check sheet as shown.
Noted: 9:39
